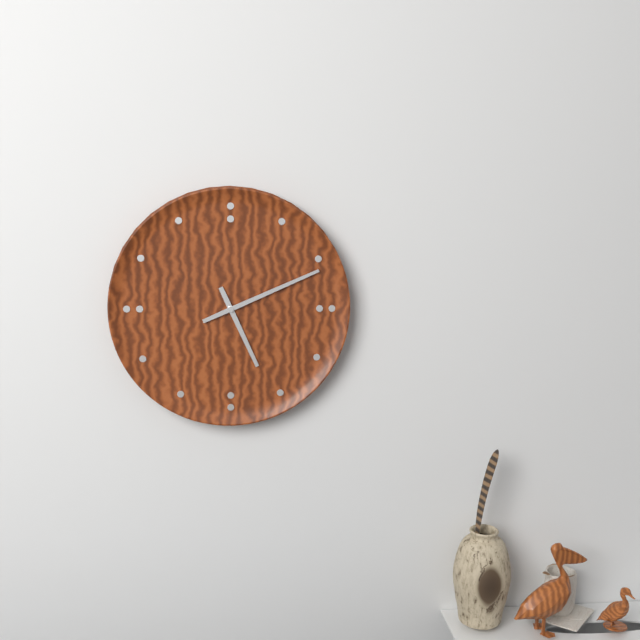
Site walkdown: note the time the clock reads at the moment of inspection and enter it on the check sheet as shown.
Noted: 5:11
